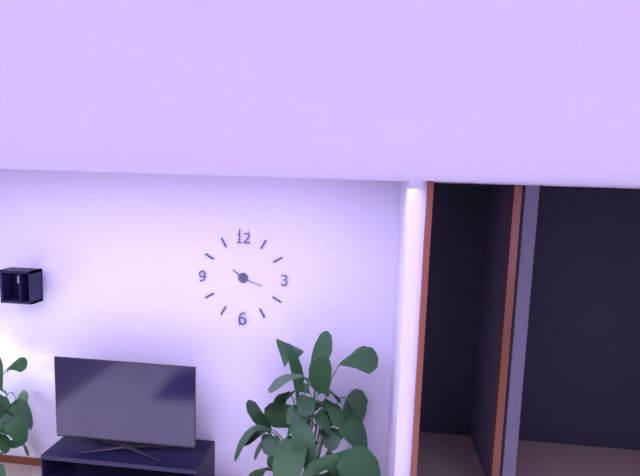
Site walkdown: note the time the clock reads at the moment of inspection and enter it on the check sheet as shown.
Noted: 10:18
